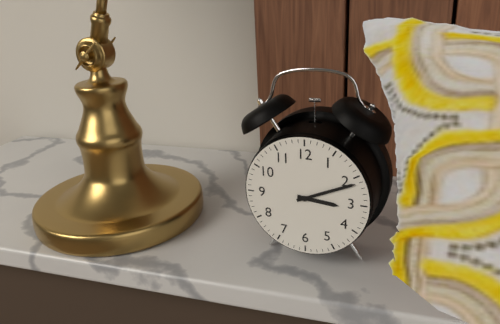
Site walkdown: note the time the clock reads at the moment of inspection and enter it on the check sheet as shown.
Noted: 3:11
